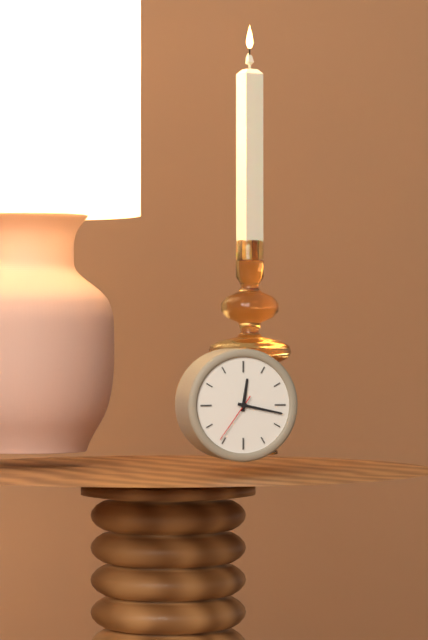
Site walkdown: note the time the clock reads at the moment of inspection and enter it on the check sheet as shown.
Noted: 12:17:36
